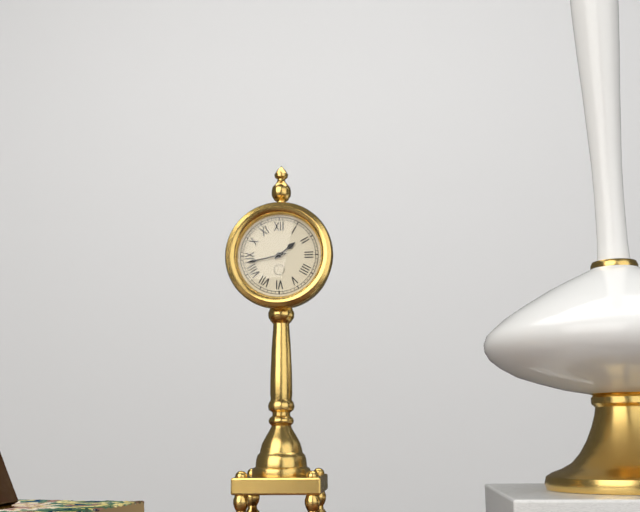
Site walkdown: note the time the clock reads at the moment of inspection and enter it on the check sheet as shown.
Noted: 1:43
